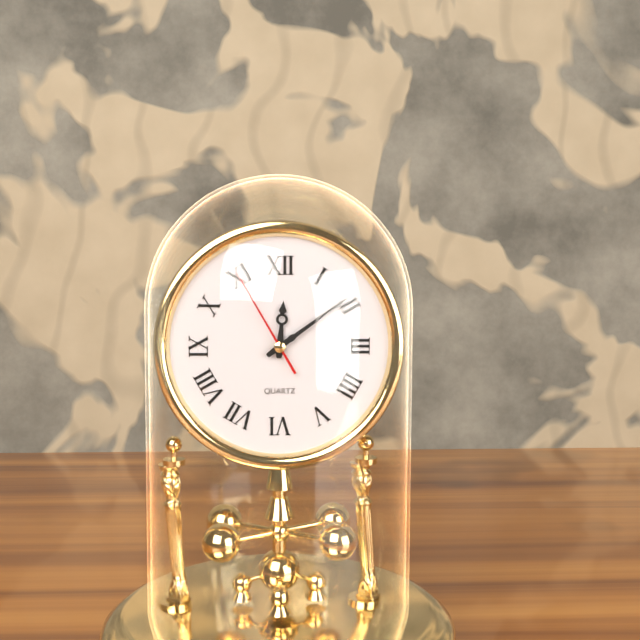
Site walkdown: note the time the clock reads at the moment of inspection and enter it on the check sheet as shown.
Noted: 12:09:55
